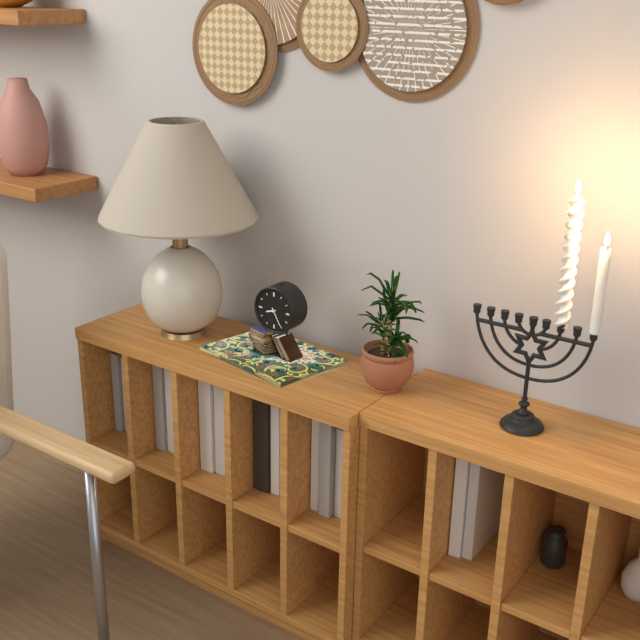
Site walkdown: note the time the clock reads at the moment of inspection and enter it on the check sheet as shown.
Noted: 8:25
